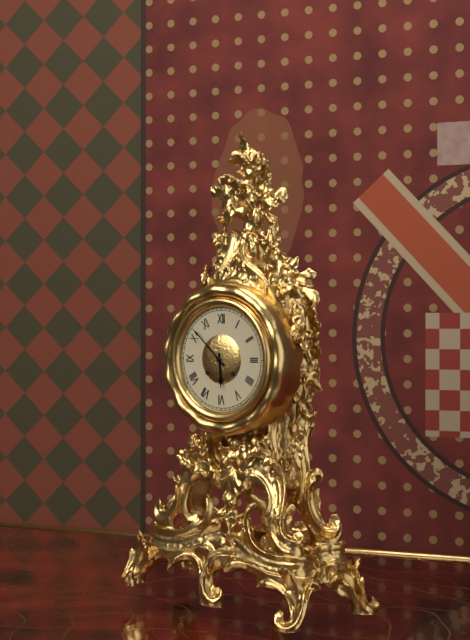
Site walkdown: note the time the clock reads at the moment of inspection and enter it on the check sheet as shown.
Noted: 5:52
